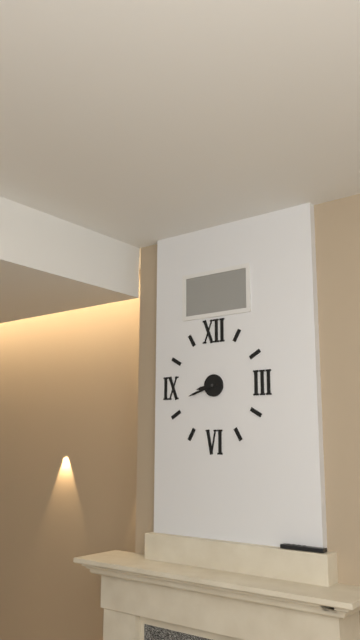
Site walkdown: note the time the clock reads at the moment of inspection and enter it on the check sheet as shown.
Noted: 8:42
